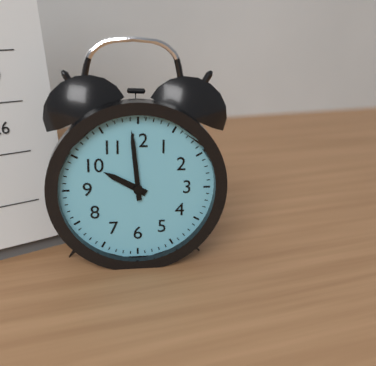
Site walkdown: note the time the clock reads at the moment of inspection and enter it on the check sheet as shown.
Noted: 9:59
